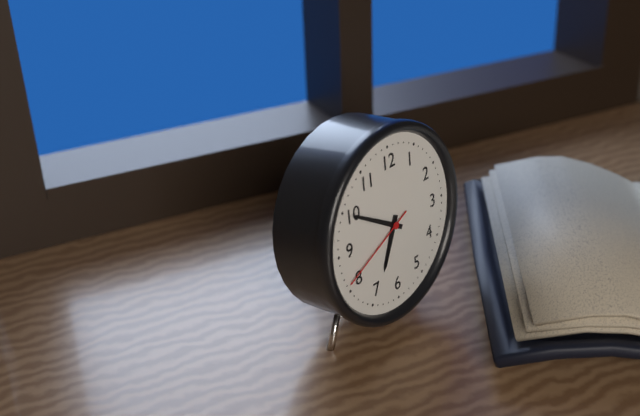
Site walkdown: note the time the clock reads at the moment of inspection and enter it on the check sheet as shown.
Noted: 6:50:41
